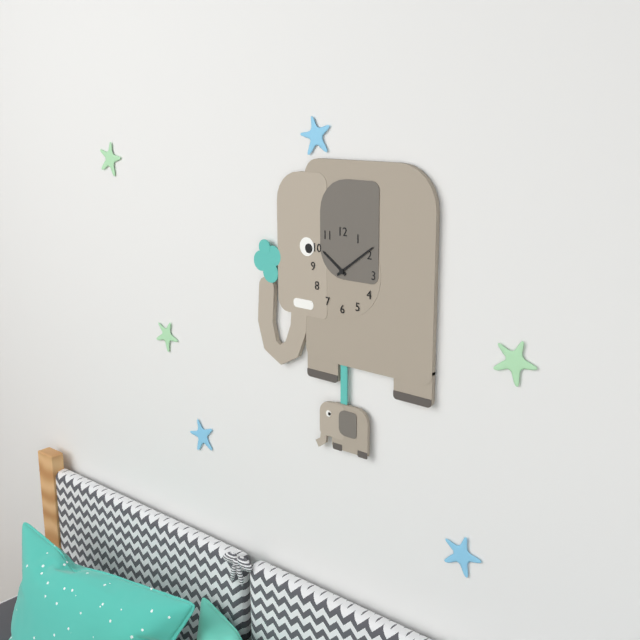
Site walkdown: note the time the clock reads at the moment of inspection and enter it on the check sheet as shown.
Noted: 10:09
